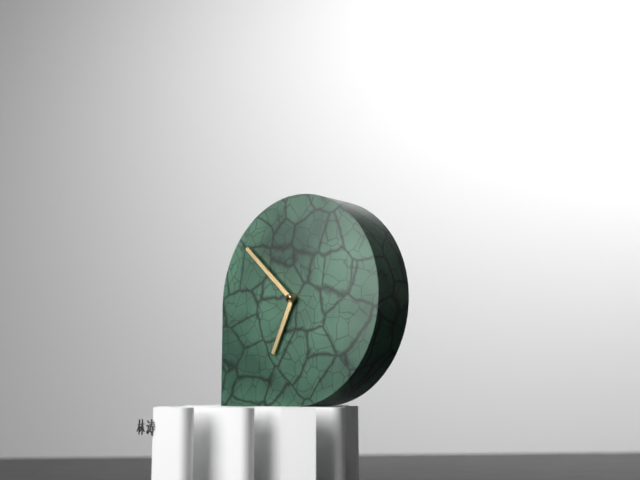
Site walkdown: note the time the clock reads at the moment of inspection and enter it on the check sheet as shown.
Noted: 6:52
